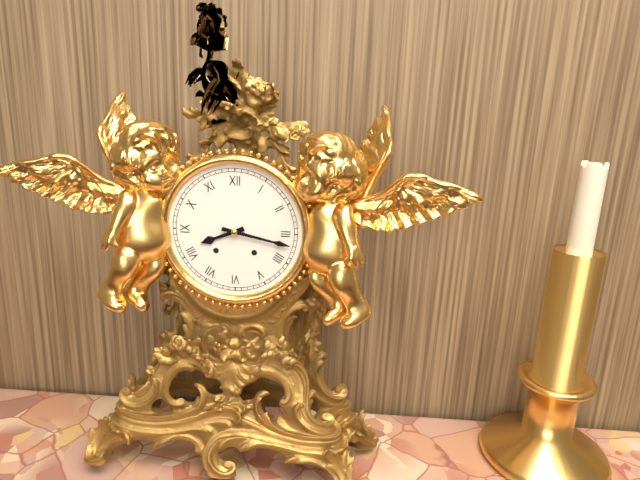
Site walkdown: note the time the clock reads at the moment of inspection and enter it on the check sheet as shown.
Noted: 8:17
